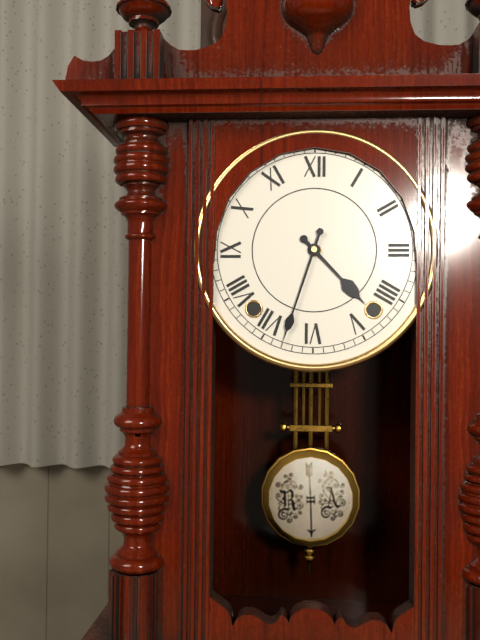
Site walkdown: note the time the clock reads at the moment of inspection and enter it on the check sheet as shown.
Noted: 4:33
